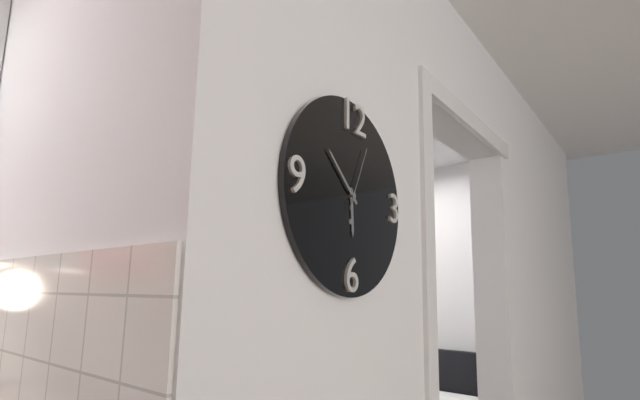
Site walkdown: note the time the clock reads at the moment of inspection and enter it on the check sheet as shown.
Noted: 5:52:04
